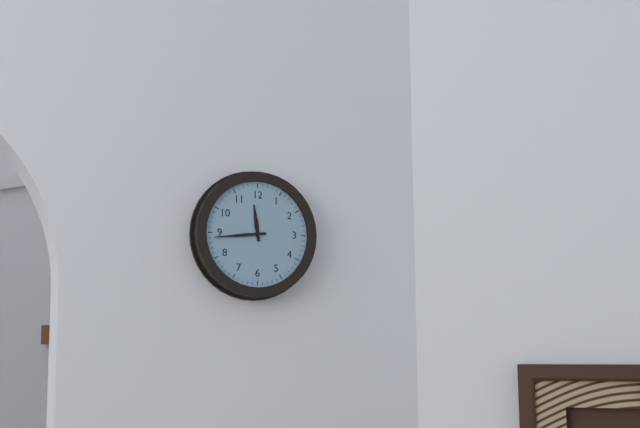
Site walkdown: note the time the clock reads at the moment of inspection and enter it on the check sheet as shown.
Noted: 11:44
